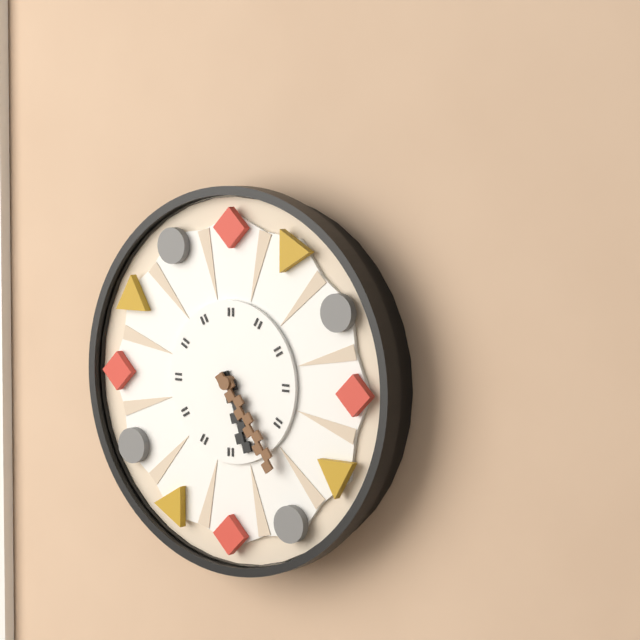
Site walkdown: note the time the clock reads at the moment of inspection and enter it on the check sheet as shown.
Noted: 5:24
